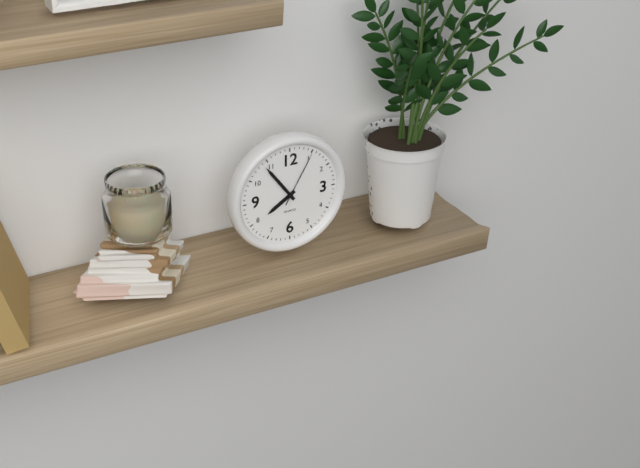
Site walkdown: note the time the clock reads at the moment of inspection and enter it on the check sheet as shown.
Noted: 7:54:05
